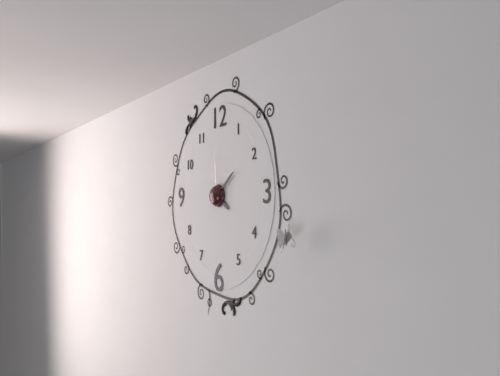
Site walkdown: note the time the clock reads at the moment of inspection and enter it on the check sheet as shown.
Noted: 4:09:59
